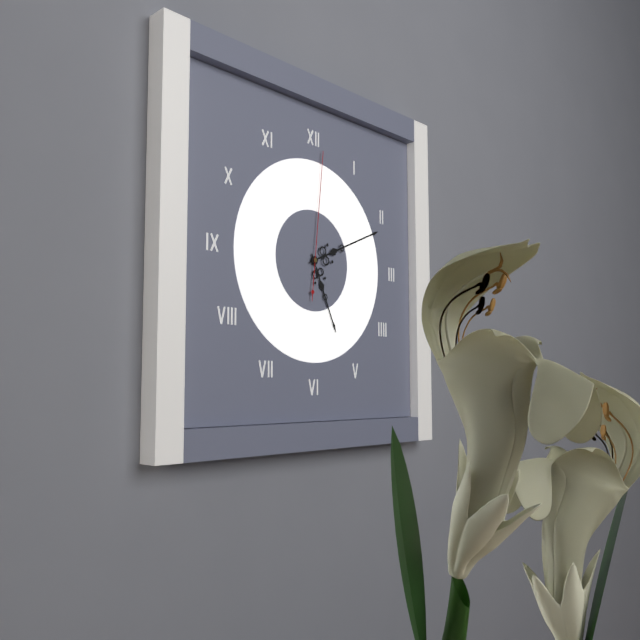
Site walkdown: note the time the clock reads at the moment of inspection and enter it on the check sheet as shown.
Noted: 5:11:01
